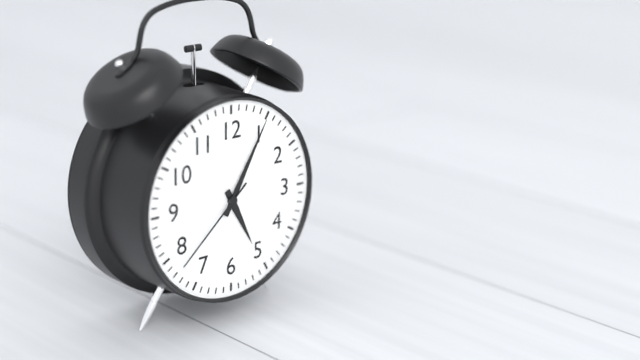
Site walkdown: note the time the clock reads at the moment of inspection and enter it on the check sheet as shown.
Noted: 5:05:38
